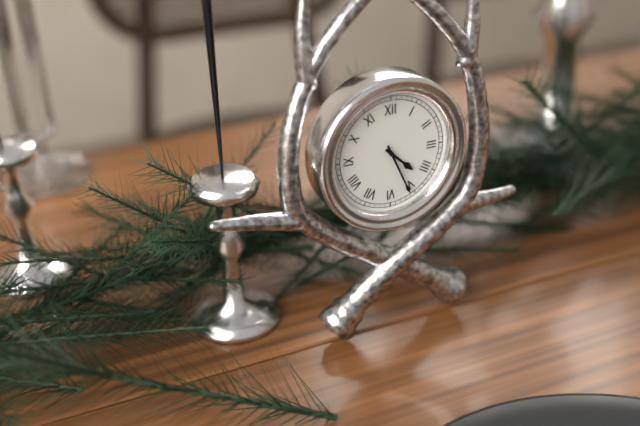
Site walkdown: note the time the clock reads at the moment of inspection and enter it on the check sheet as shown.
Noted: 4:26
